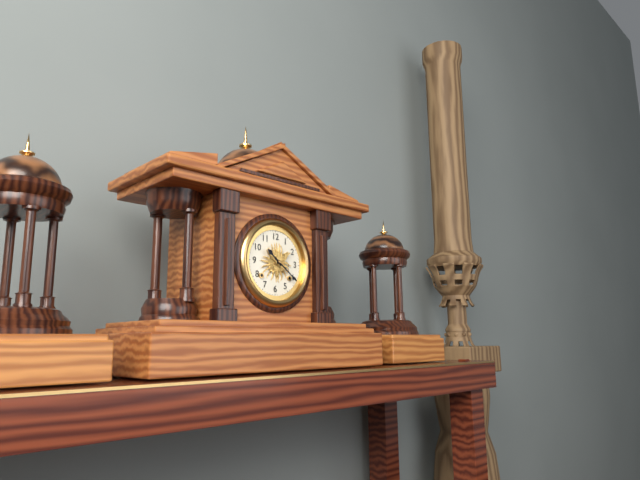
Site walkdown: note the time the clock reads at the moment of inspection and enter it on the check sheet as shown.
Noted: 10:21
